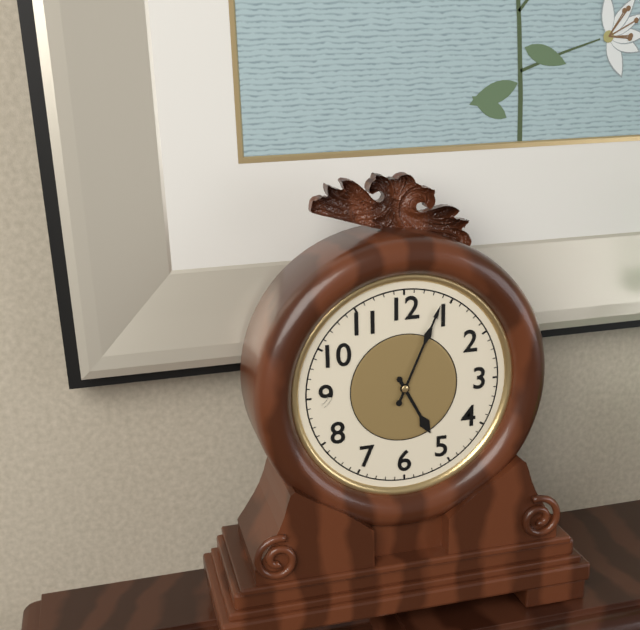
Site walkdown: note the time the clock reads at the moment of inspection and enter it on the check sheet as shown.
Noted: 5:04
